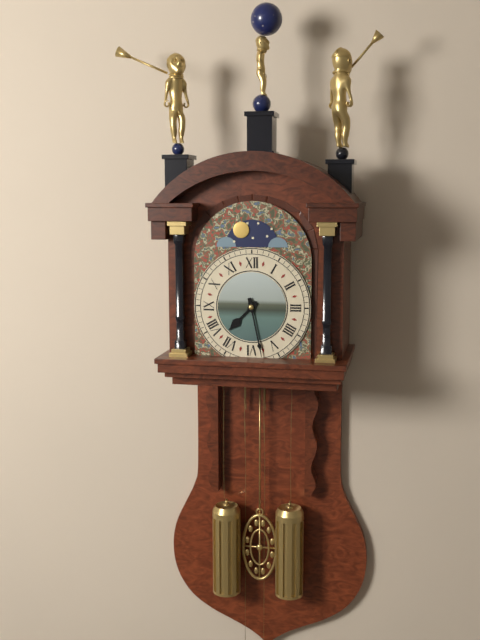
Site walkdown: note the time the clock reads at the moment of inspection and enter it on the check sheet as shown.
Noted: 7:28
